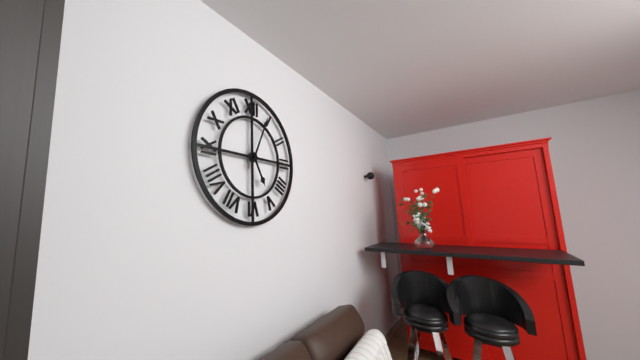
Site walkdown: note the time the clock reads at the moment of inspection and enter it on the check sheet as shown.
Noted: 5:04
